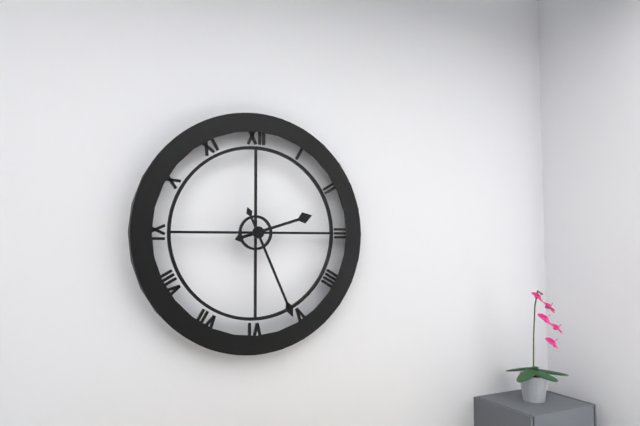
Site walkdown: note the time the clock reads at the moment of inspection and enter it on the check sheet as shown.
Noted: 2:26
